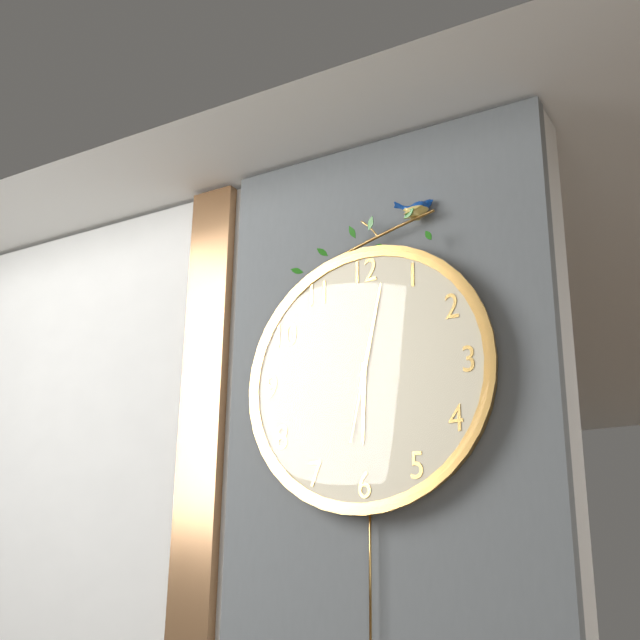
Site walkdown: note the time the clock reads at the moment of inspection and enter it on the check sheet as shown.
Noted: 6:02:32
